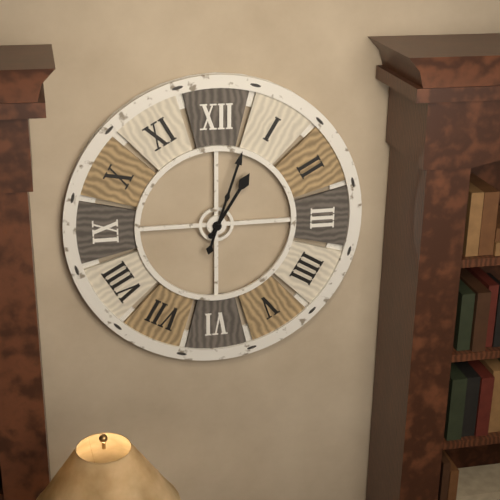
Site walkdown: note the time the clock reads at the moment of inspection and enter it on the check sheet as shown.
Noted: 1:03
